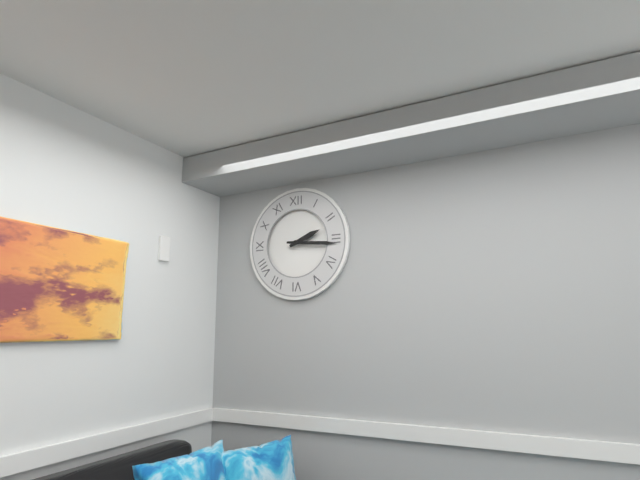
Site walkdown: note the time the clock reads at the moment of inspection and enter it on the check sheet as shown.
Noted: 2:16
